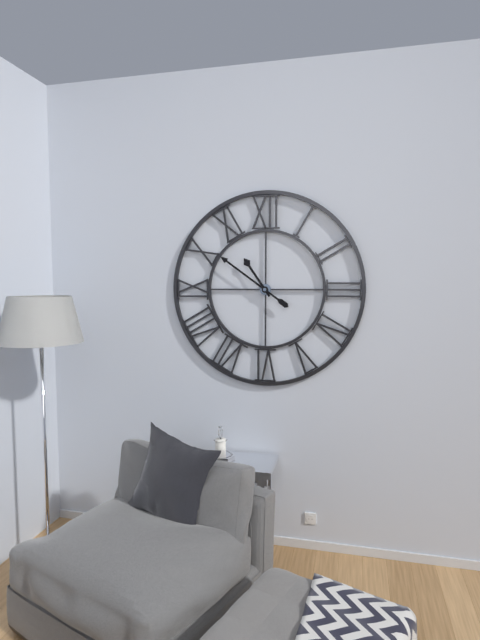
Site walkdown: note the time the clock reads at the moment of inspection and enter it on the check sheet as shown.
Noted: 10:51
